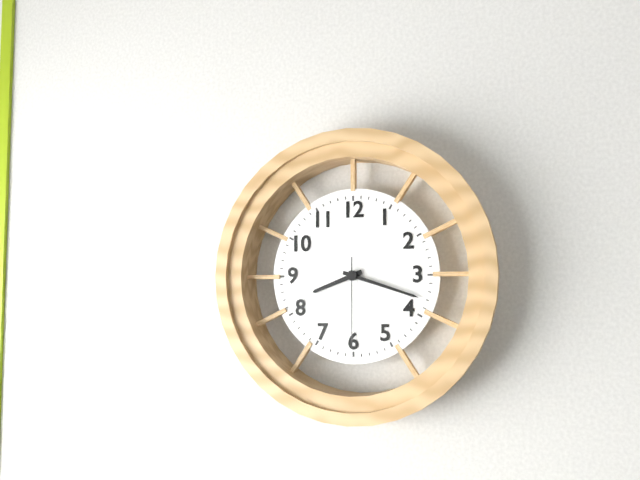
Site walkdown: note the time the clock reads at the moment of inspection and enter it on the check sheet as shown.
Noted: 8:18:30
